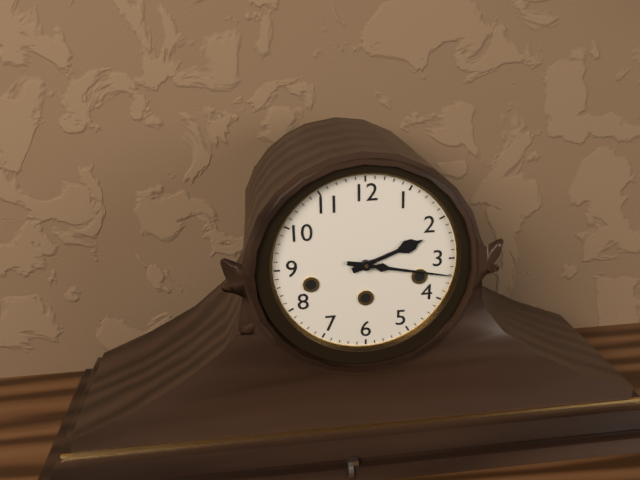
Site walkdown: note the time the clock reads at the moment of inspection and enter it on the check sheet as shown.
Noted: 2:17
